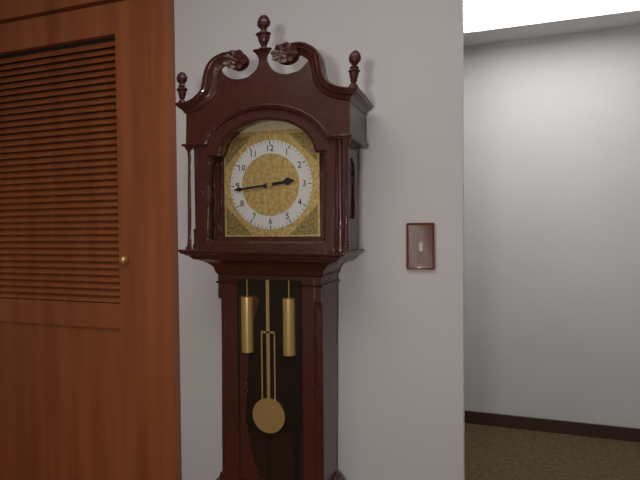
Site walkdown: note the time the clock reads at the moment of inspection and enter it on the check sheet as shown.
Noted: 2:44
